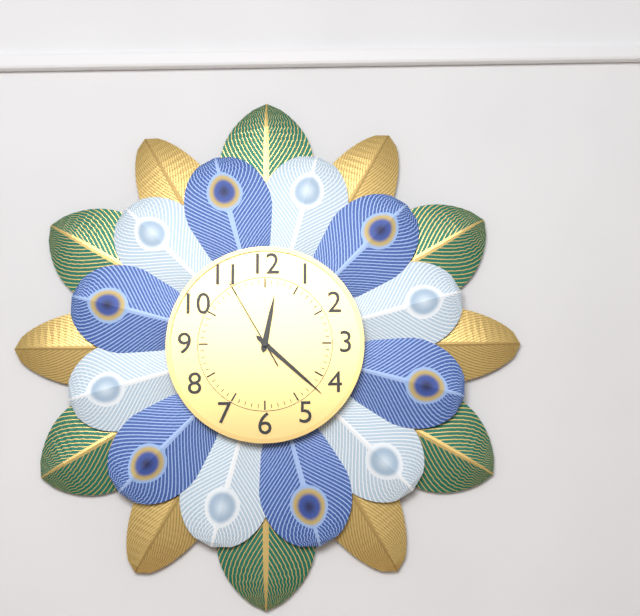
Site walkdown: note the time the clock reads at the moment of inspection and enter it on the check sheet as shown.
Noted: 12:22:55
